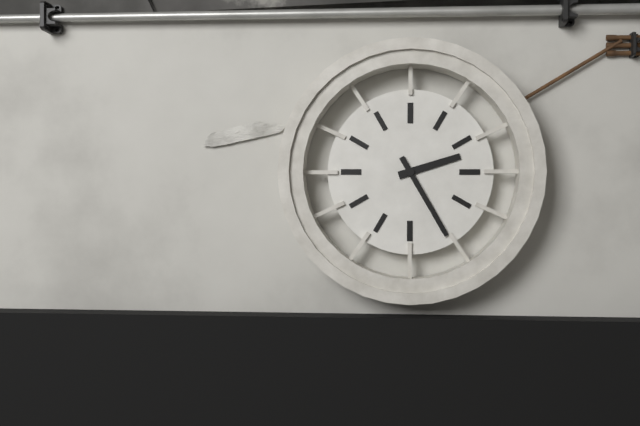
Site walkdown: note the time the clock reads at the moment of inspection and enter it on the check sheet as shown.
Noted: 2:25
